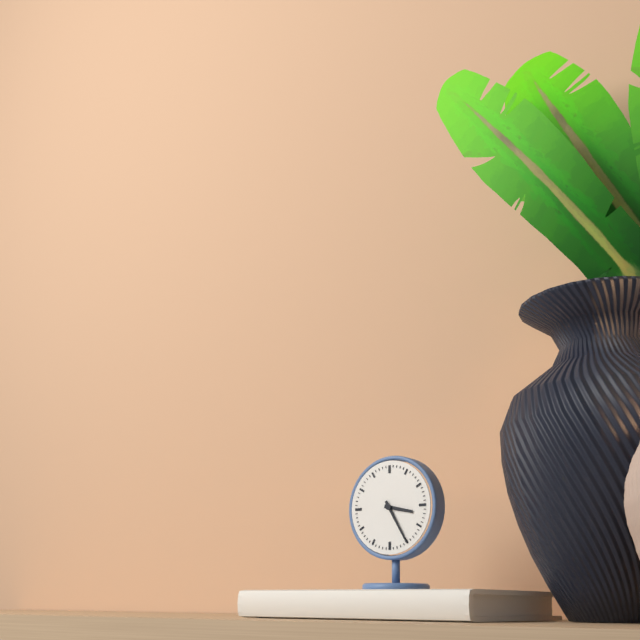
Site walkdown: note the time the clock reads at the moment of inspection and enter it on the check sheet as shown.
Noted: 3:25
